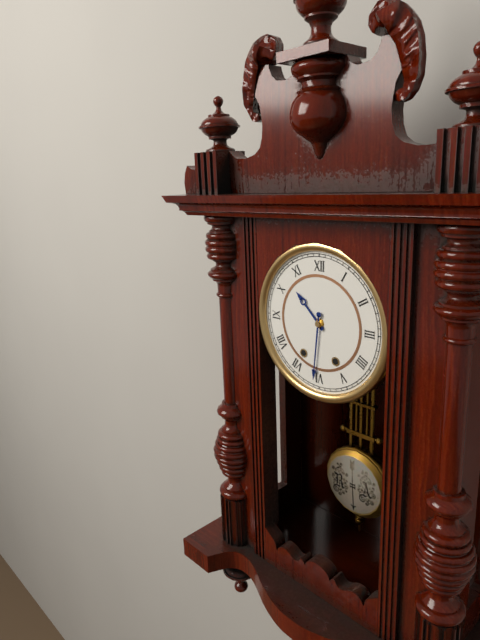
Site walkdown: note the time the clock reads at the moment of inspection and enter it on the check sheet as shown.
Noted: 10:31
